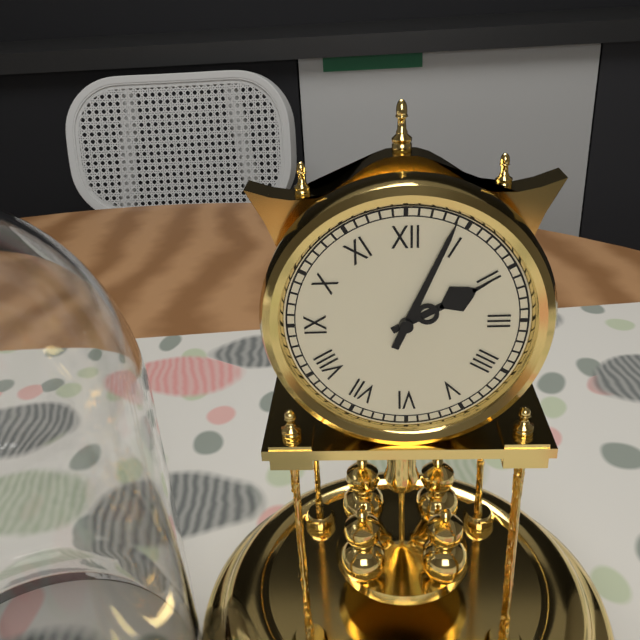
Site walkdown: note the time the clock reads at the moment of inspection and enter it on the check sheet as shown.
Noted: 2:04
